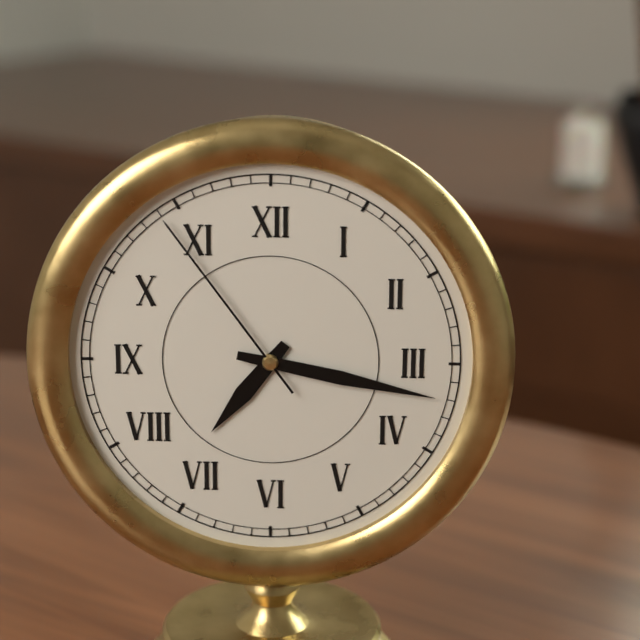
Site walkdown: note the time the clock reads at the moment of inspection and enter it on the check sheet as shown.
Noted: 7:17:54
